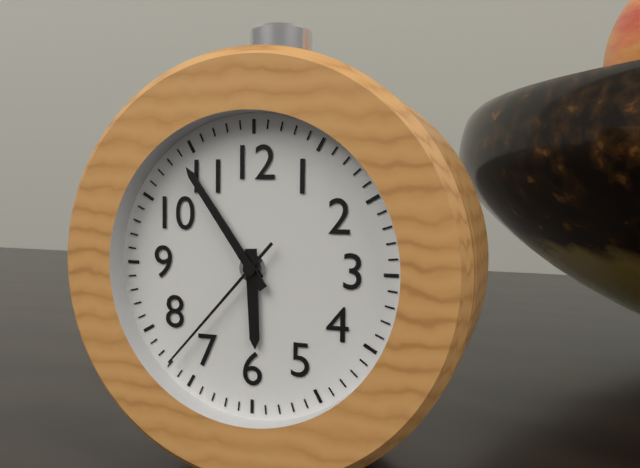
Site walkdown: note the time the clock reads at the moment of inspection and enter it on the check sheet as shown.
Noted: 5:54:37
